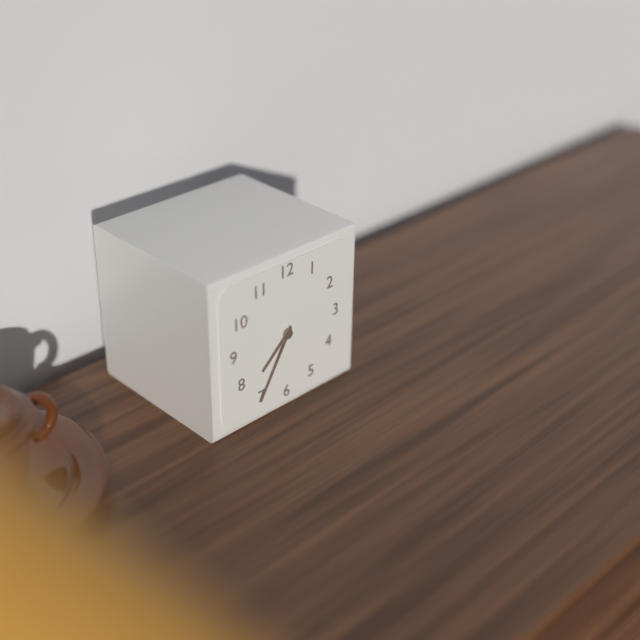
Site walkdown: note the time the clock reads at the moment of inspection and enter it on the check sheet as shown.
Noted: 7:35
